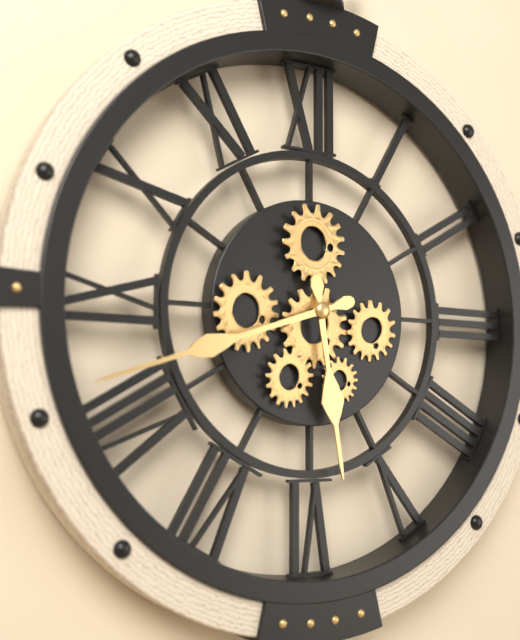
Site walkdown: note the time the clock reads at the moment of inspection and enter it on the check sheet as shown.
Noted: 5:42
